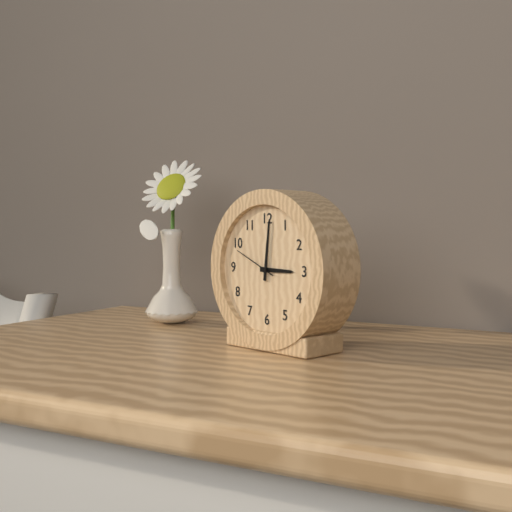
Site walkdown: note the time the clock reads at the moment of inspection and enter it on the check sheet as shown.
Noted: 3:01
